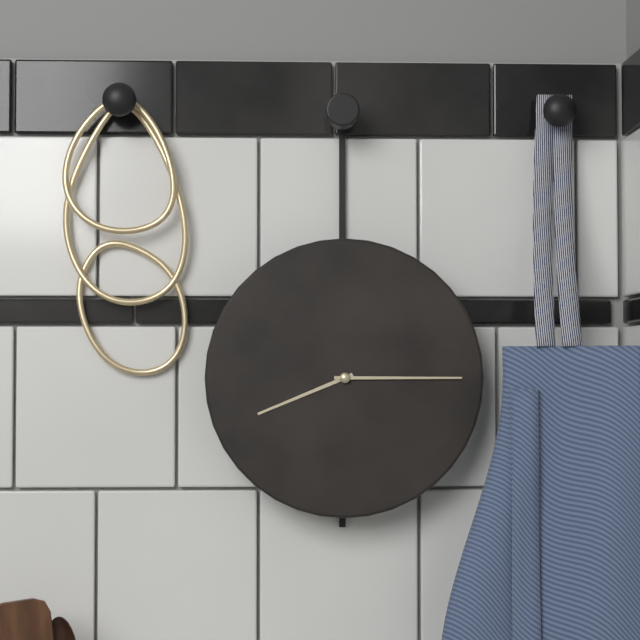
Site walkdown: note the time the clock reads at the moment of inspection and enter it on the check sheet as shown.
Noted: 8:15
